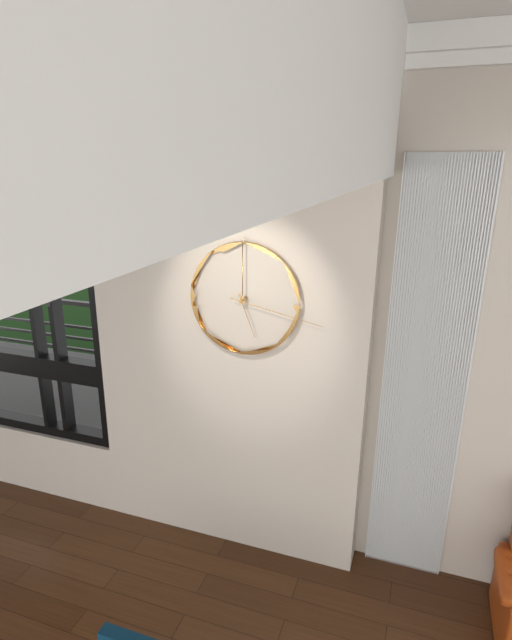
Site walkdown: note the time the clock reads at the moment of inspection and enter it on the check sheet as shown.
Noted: 5:17
